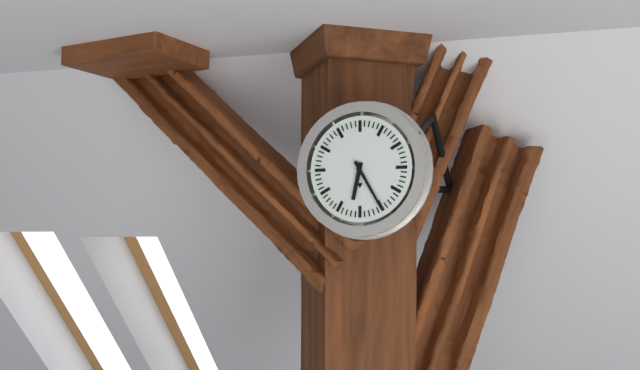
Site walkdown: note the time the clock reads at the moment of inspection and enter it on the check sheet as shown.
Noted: 6:25
